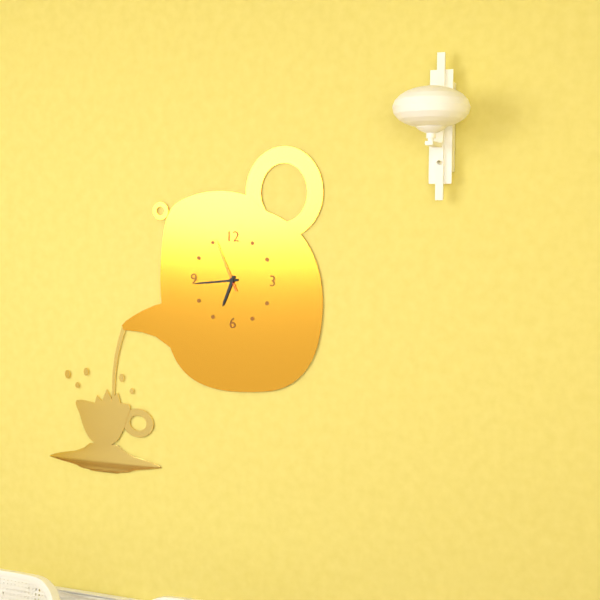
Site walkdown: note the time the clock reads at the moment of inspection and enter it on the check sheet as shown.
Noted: 6:44:56
